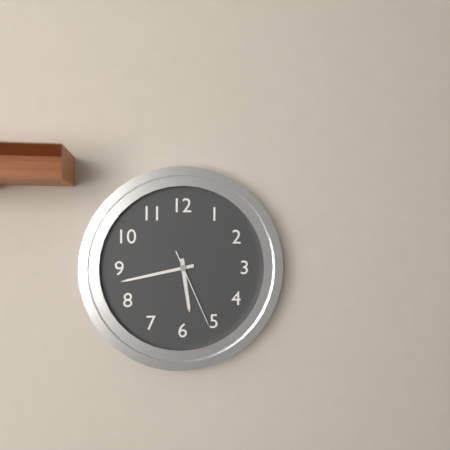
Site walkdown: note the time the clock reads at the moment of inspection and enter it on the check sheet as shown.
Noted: 5:43:26
